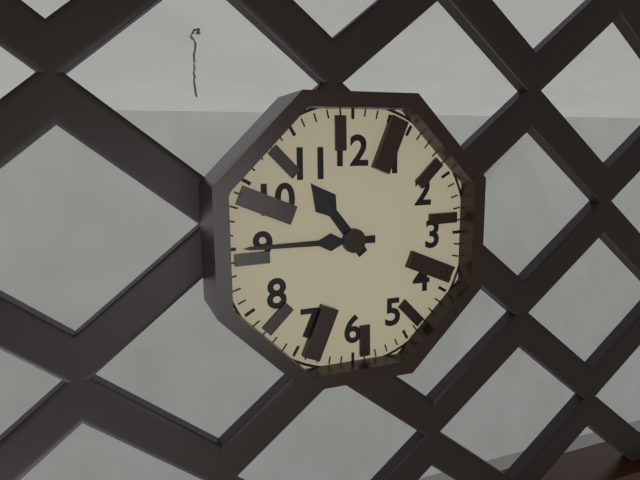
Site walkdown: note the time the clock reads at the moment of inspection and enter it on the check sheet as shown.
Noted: 10:45
